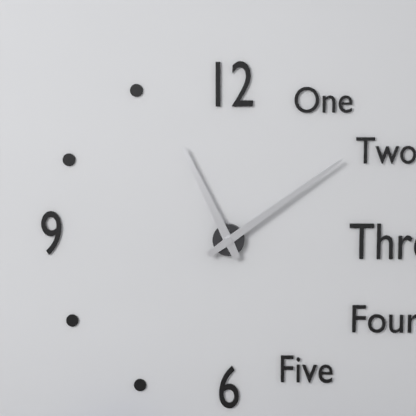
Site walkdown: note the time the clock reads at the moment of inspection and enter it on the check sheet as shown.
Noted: 11:09
